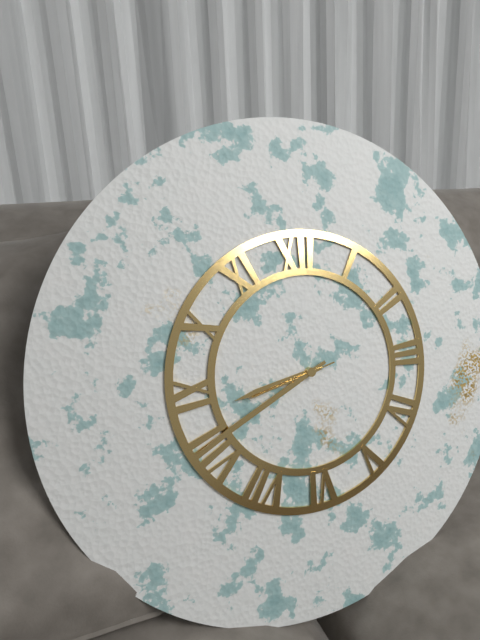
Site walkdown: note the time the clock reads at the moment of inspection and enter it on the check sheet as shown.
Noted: 8:41:43
